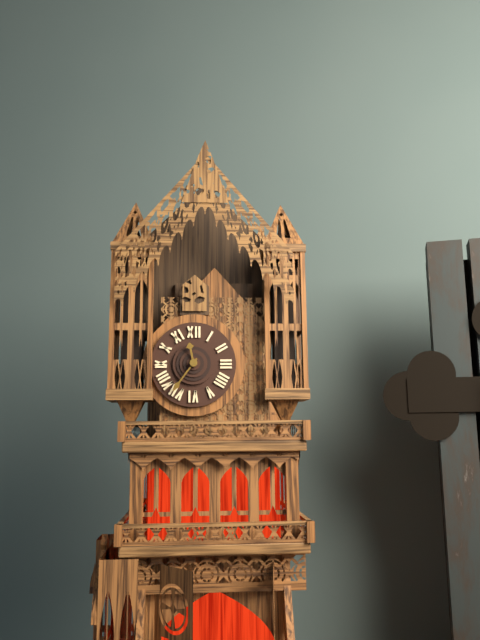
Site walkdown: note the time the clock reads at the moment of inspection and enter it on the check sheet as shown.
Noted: 11:36
